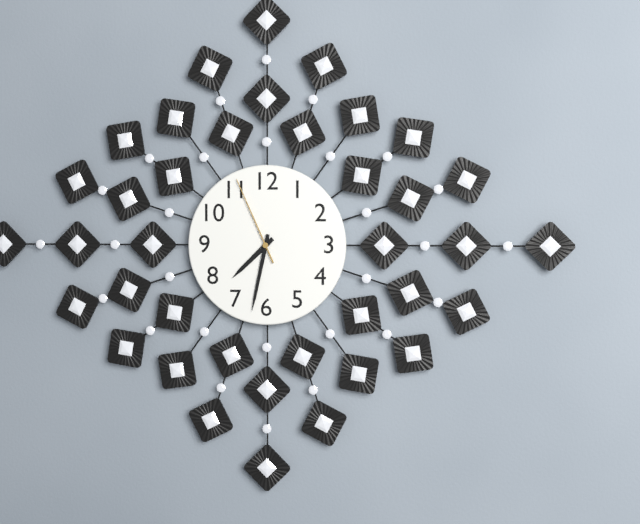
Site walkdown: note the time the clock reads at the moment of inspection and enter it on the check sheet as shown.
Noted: 7:32:56
